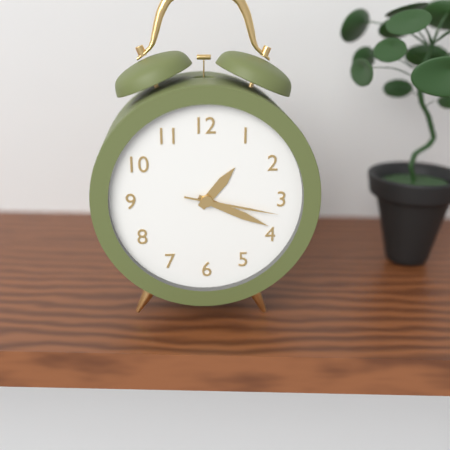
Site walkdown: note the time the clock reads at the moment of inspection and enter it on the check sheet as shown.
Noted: 1:19:17
